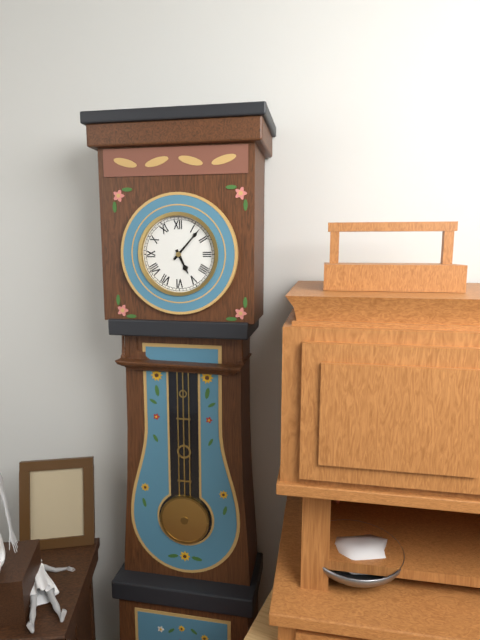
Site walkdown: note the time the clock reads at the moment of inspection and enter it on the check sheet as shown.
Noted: 5:07
